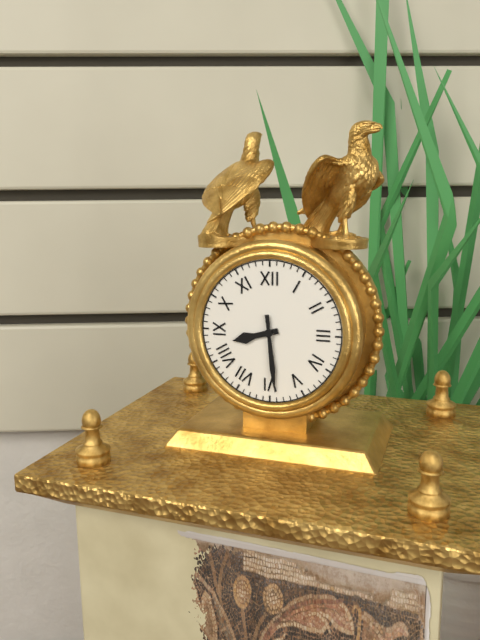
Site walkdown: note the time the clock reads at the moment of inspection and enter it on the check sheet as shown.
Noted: 8:29
